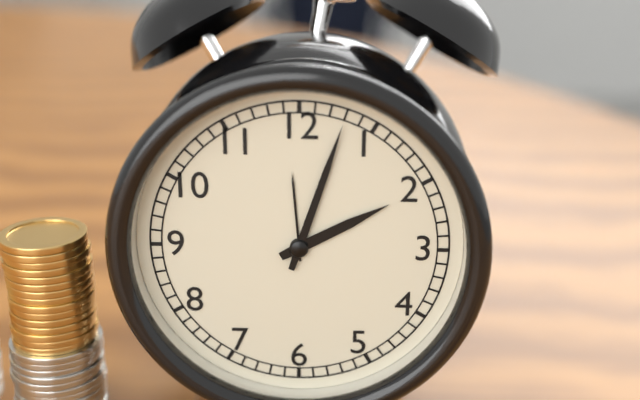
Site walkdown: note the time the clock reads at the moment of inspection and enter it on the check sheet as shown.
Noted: 2:03
